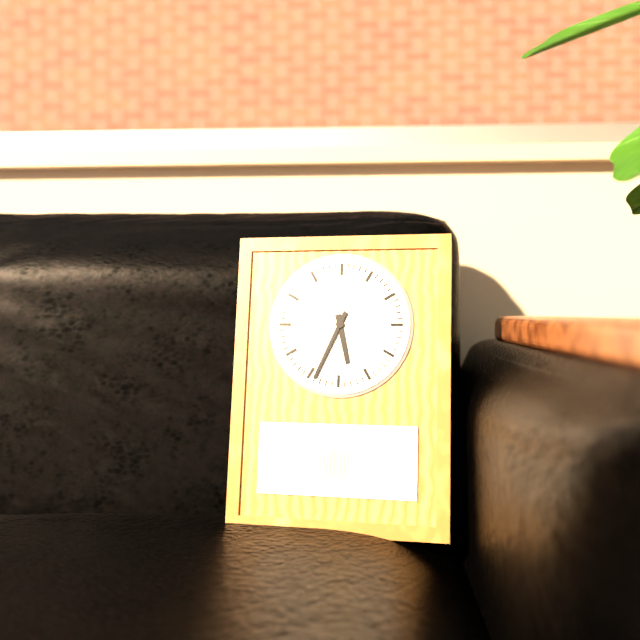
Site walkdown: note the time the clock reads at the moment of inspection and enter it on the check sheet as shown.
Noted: 5:34
